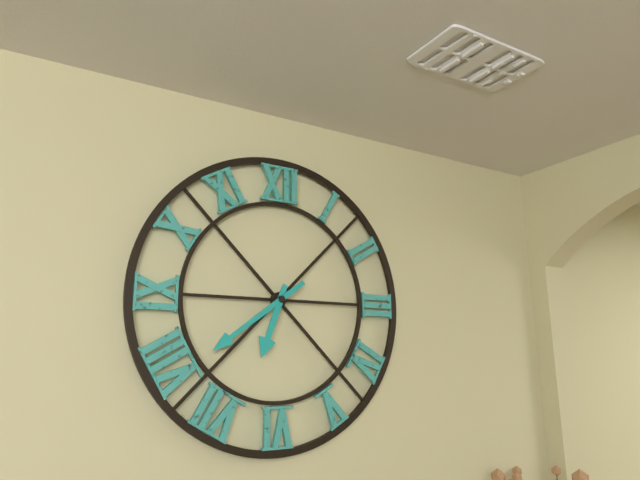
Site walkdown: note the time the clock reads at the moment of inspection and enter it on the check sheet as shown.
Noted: 6:39
